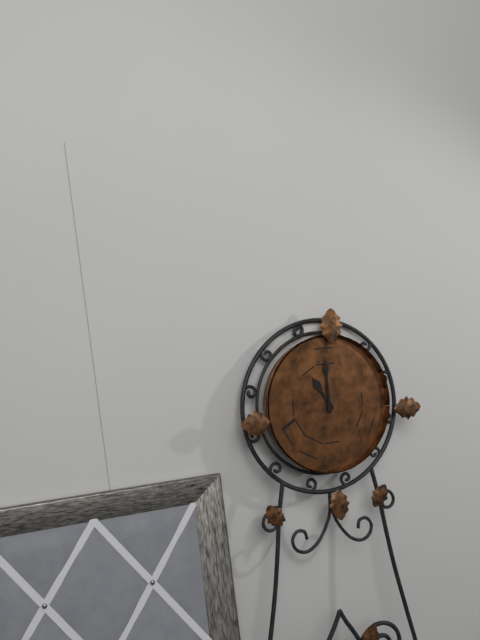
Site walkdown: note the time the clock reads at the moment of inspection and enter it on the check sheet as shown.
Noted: 11:00
